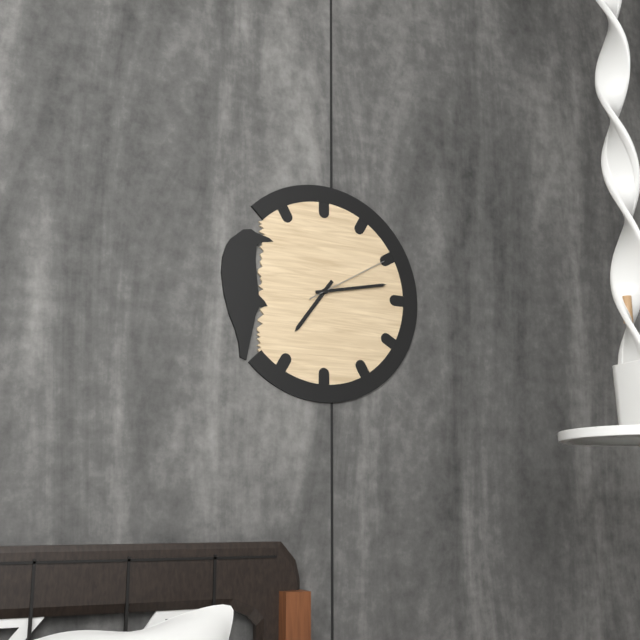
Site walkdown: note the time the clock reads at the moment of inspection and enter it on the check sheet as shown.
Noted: 7:13:10
